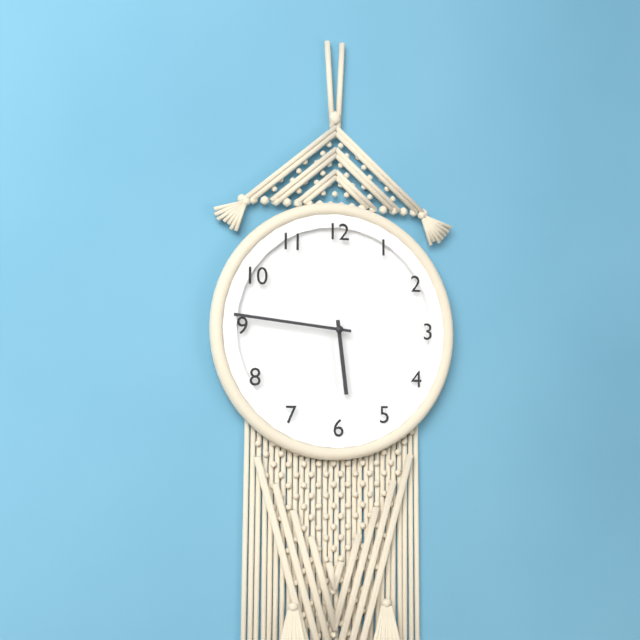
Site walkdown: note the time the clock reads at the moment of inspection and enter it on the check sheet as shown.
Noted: 5:46
